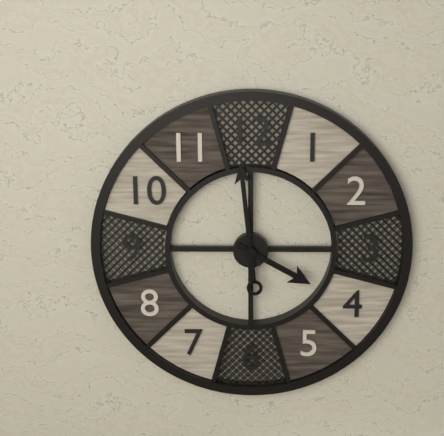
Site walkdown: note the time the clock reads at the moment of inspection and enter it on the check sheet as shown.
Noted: 3:59
